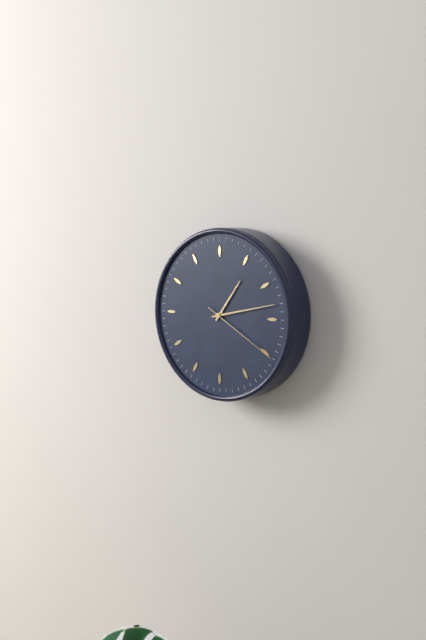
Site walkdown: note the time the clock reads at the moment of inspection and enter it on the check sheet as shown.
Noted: 1:13:20
